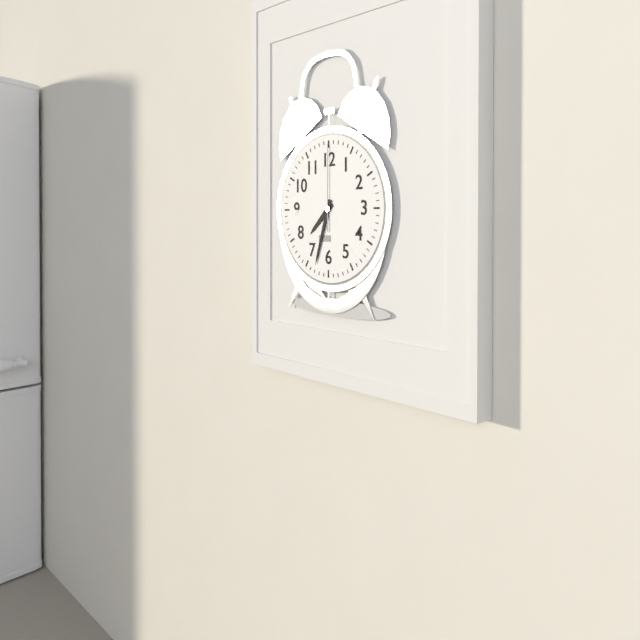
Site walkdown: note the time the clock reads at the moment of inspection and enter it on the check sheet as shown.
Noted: 7:33:00
